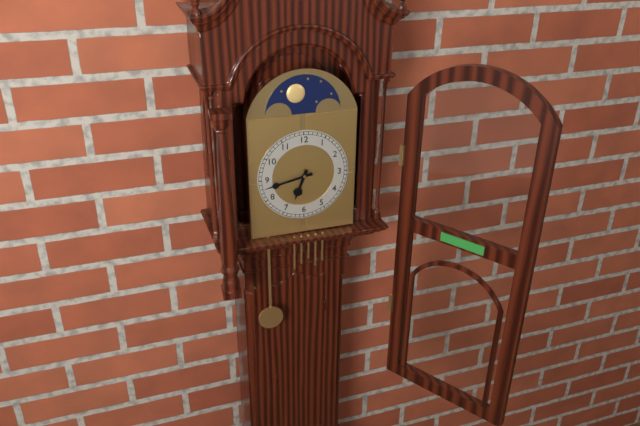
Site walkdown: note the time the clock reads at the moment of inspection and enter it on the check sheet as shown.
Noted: 6:43
